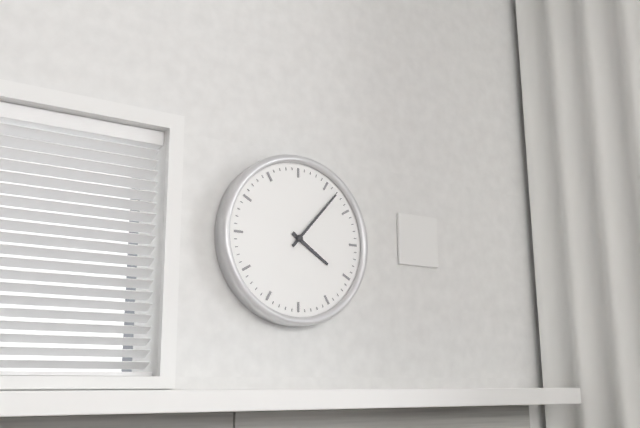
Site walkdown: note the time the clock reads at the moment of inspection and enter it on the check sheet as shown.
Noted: 4:07
